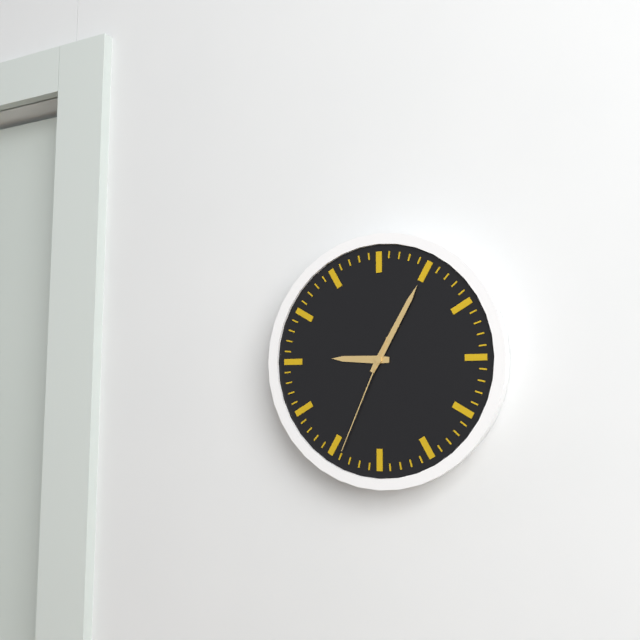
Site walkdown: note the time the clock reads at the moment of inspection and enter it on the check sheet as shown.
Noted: 9:05:34
